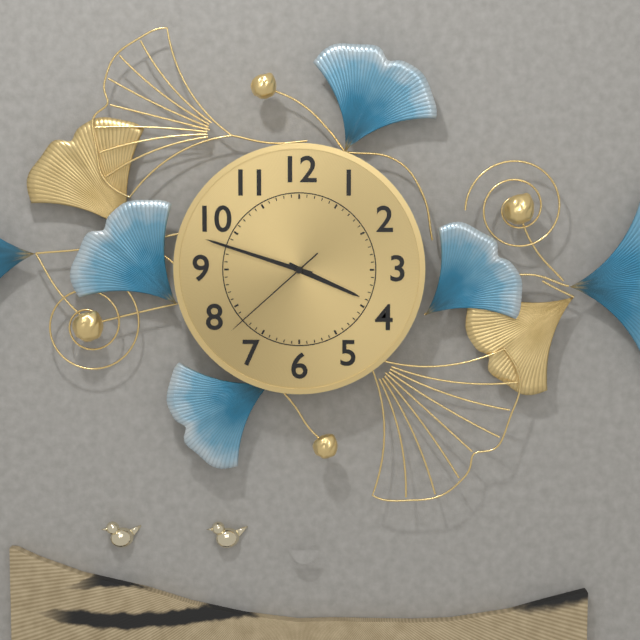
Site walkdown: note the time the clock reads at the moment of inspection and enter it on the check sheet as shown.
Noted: 3:48:38
